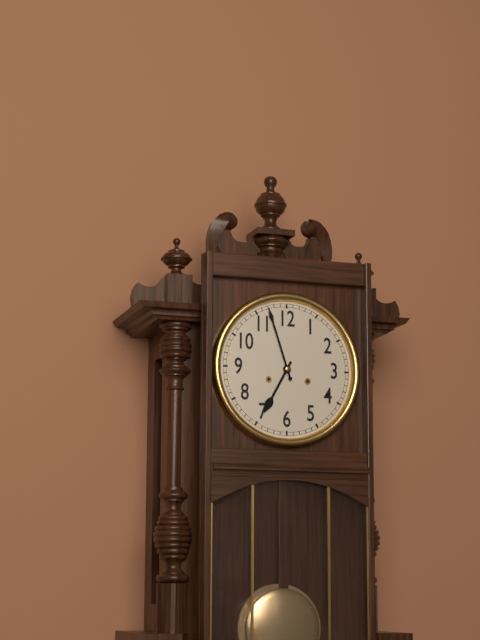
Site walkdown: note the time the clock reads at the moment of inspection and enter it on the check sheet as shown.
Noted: 6:57
